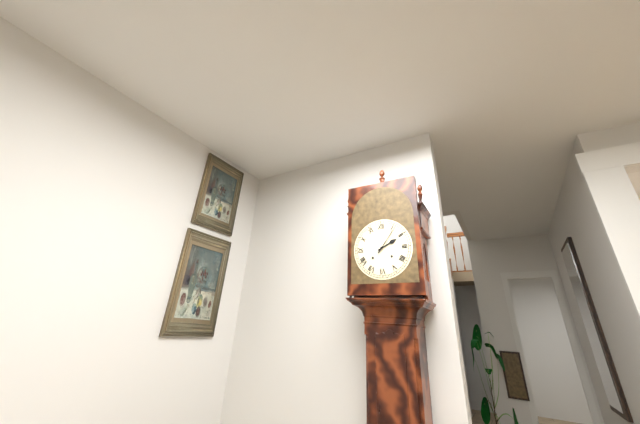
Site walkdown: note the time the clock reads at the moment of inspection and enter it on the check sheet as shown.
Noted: 2:06
